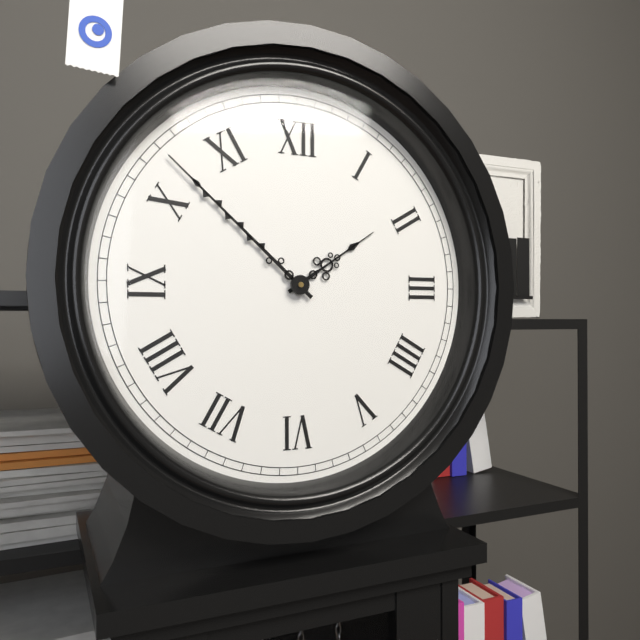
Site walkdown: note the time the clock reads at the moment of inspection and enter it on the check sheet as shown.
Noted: 1:52
